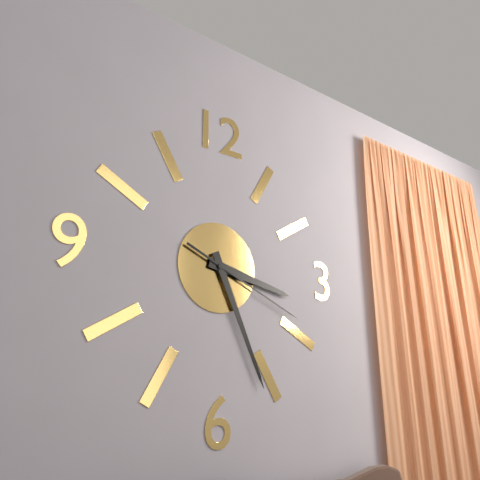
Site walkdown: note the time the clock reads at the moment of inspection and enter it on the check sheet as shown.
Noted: 3:26:19
